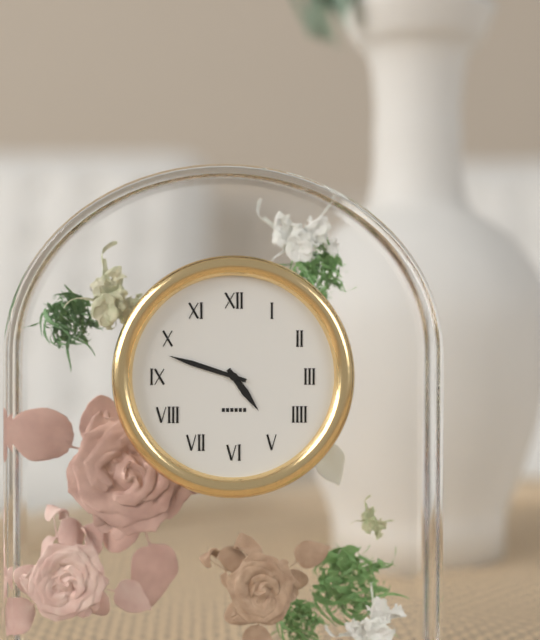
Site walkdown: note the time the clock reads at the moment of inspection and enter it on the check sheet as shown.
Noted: 4:48
